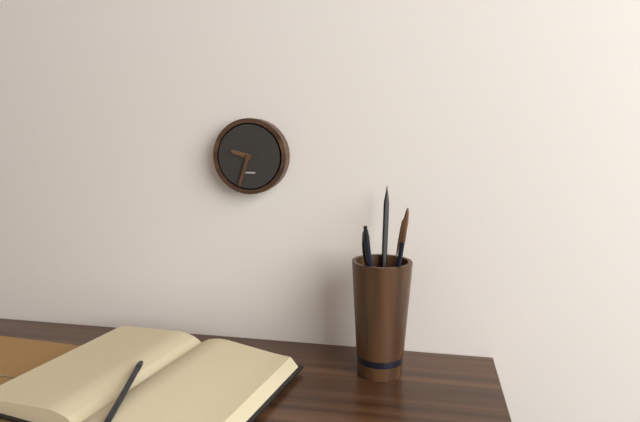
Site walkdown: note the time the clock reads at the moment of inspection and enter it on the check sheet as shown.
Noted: 9:33
